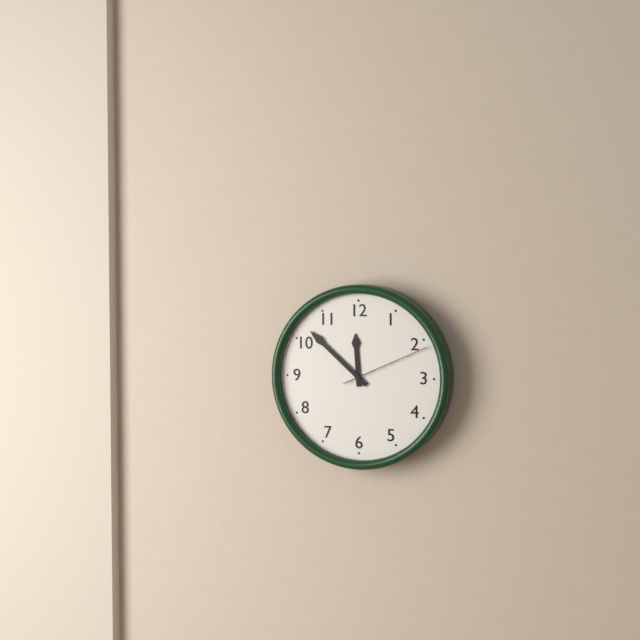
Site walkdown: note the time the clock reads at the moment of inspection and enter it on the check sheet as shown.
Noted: 11:52:11
